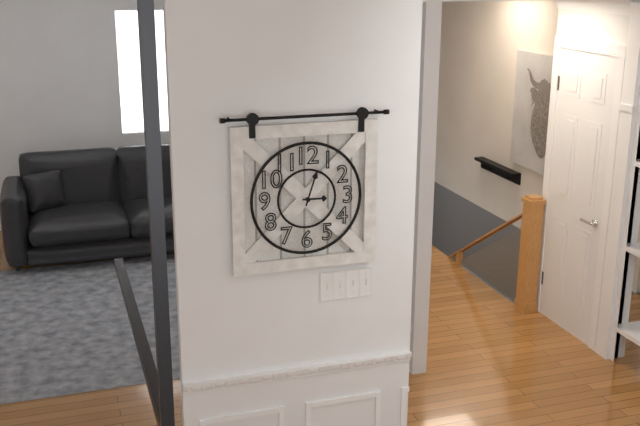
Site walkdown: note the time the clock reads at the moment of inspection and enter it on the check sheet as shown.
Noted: 3:03
